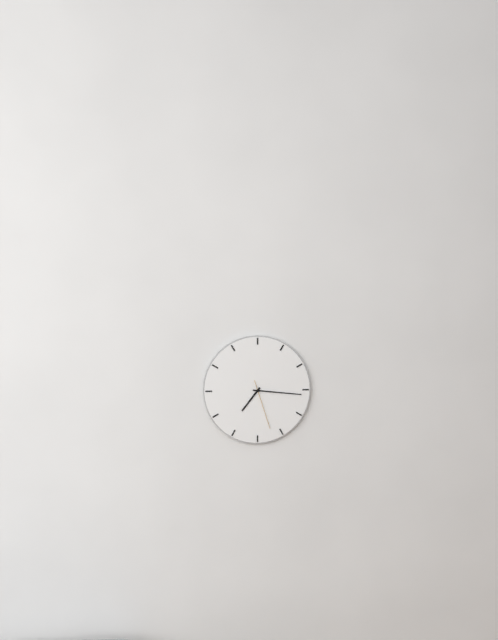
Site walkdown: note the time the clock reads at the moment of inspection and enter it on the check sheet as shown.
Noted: 7:16:27
